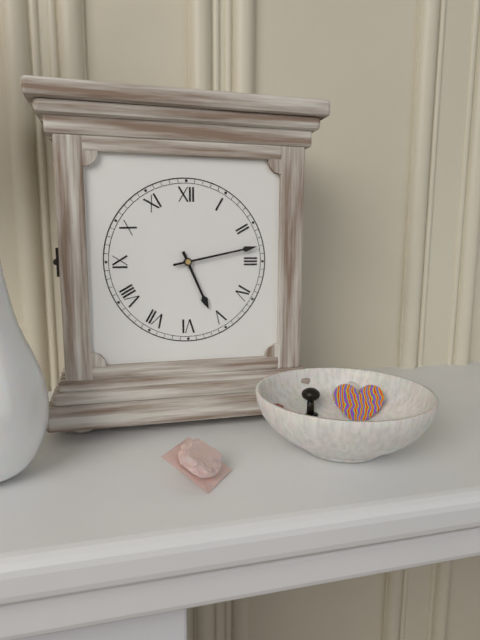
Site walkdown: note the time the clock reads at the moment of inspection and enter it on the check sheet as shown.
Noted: 5:13
